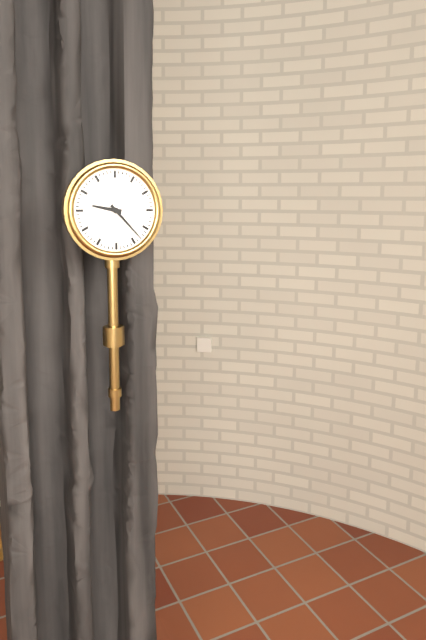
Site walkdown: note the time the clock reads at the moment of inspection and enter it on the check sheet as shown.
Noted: 9:23
